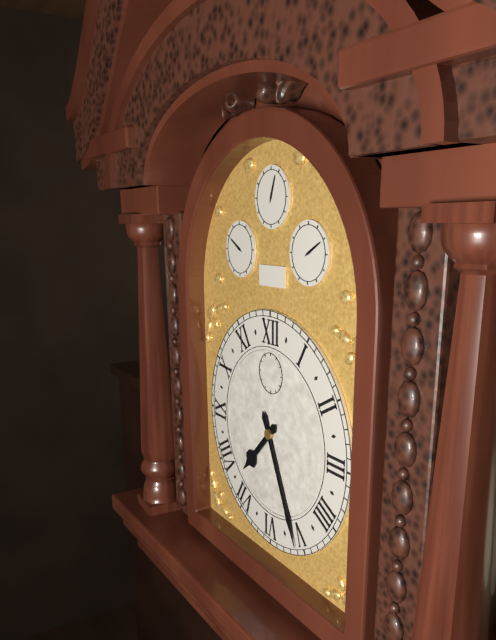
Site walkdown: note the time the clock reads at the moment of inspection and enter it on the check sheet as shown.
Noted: 7:26
